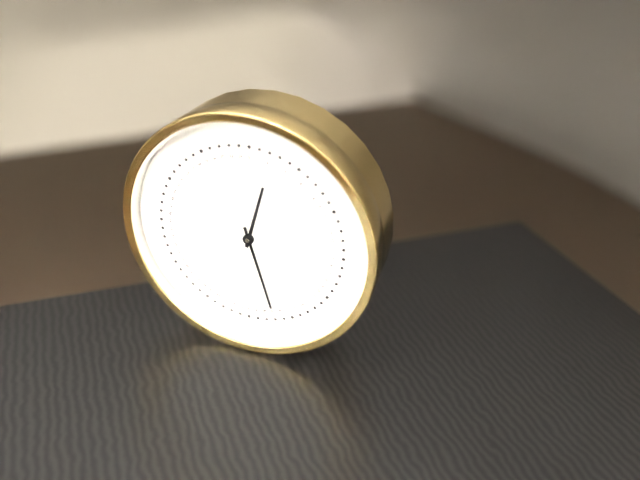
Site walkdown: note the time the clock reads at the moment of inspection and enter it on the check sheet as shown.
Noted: 12:27
